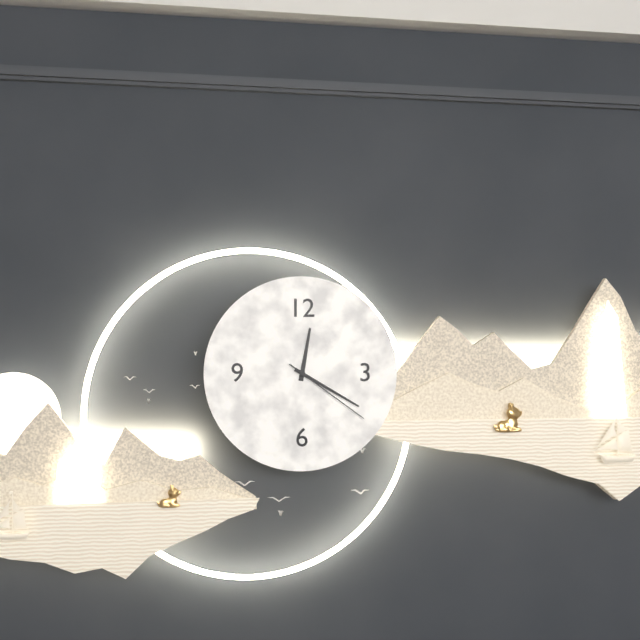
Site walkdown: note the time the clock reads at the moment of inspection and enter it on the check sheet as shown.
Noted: 12:20:21
